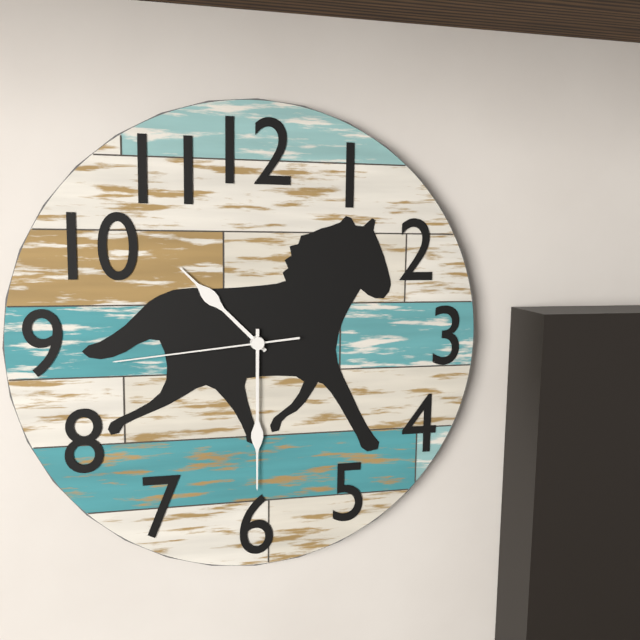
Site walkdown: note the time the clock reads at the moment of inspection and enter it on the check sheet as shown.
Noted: 10:30:44
